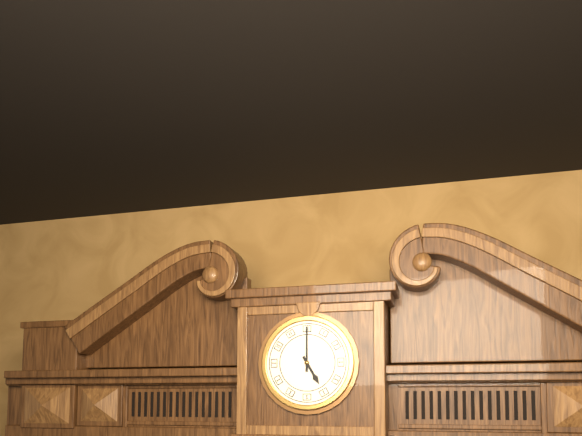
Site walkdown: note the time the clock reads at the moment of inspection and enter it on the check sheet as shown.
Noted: 5:00
